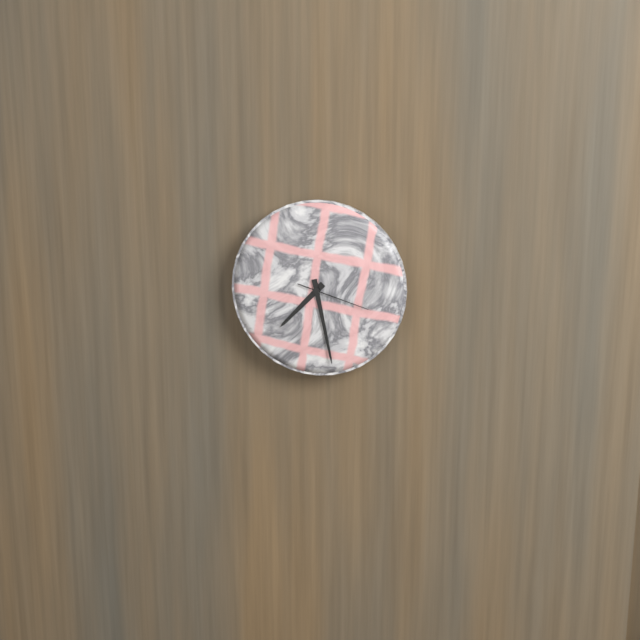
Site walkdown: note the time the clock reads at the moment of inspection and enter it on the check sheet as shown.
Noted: 7:28:18
